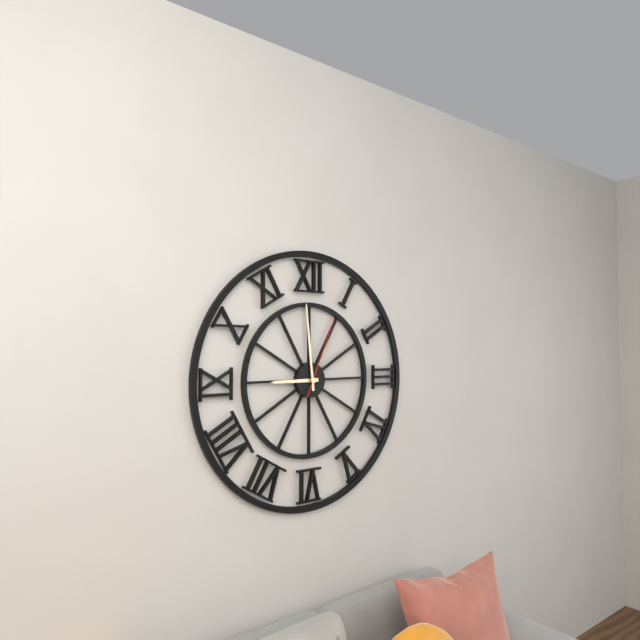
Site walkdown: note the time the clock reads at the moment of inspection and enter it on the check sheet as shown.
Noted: 8:59:04
